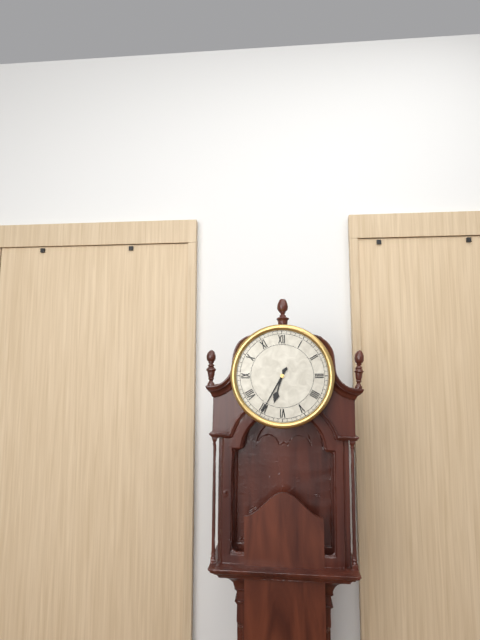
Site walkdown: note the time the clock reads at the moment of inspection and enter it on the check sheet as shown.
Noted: 6:35
